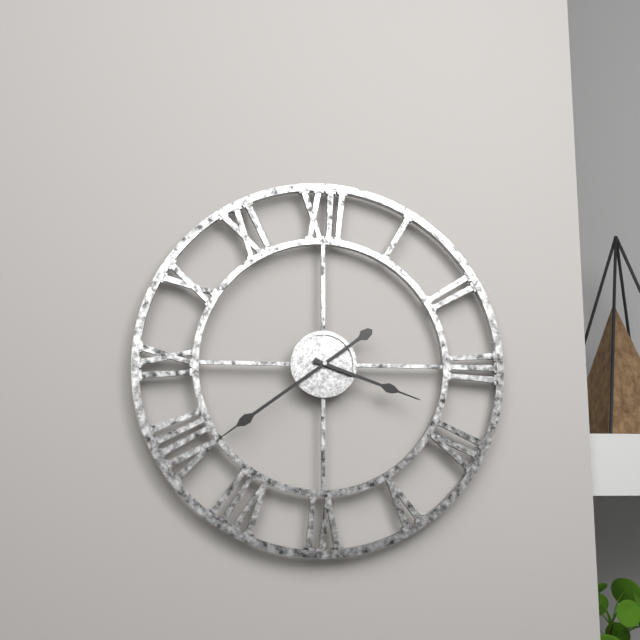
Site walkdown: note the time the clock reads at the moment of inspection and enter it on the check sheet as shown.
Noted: 3:39
